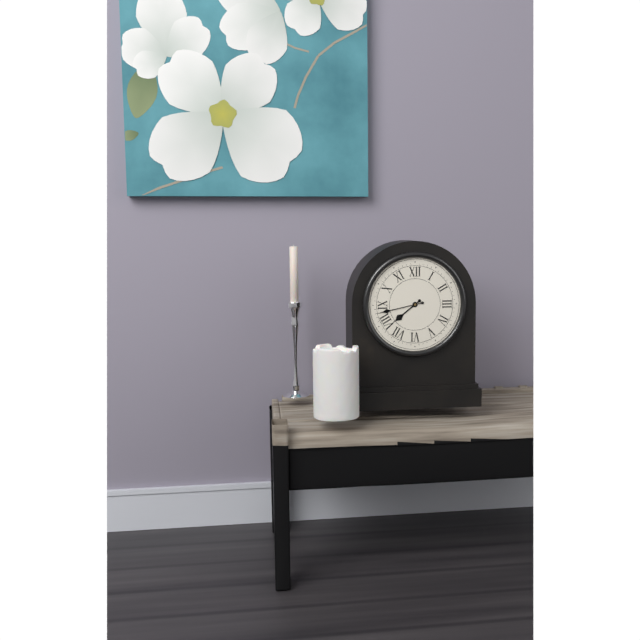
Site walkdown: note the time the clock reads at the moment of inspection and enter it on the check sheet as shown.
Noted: 7:43
